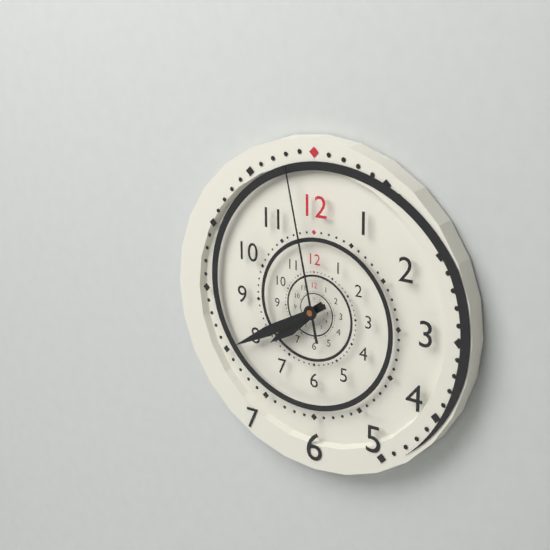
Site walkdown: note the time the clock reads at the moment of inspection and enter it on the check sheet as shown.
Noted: 7:40:58
